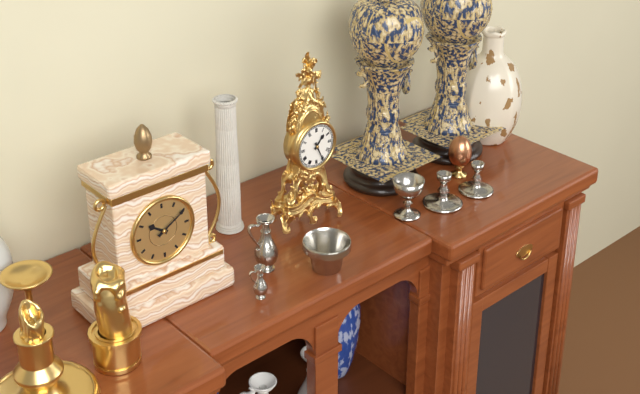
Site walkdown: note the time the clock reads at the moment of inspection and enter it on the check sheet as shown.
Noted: 1:26
